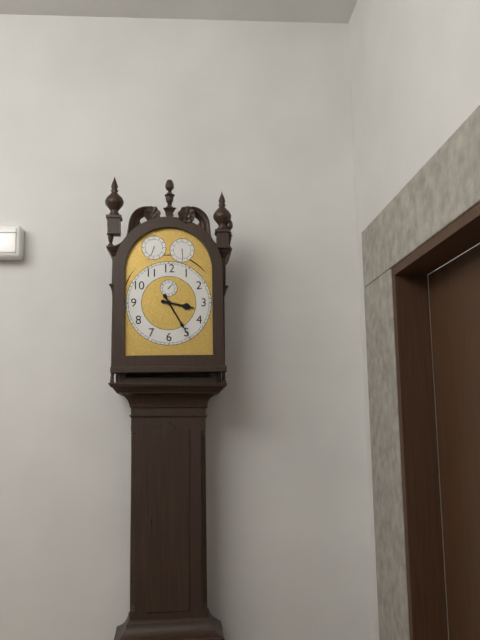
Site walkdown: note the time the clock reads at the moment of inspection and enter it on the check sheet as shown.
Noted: 3:25
